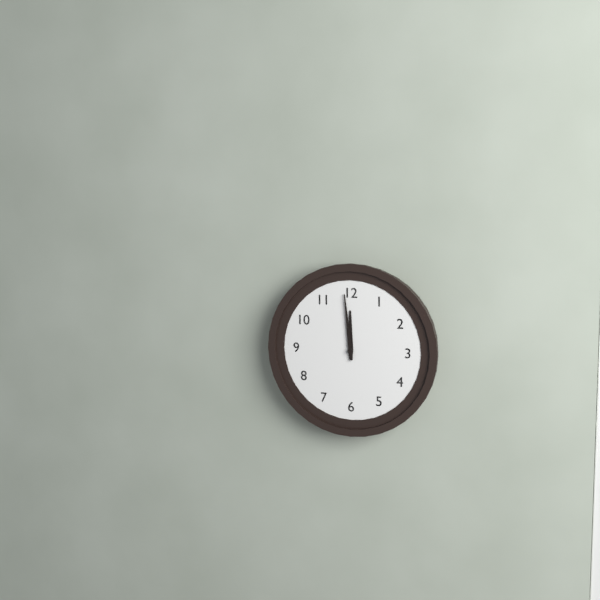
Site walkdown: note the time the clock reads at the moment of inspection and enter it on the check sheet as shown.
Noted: 11:59
